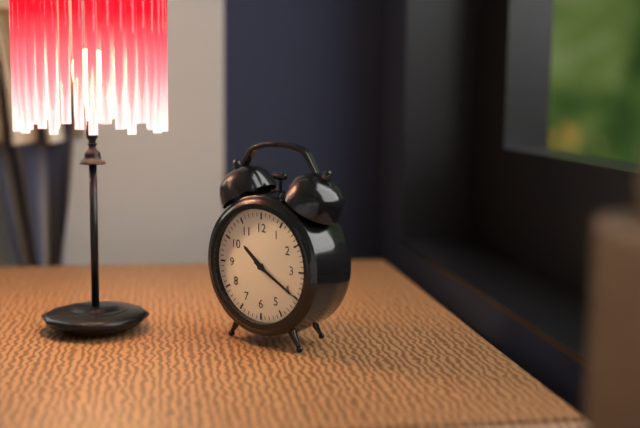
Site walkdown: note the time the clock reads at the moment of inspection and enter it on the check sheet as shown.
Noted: 10:20
